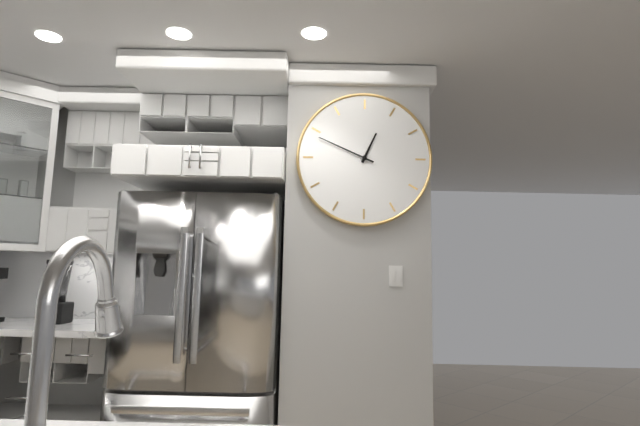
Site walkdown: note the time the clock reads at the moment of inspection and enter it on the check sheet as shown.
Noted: 12:49
